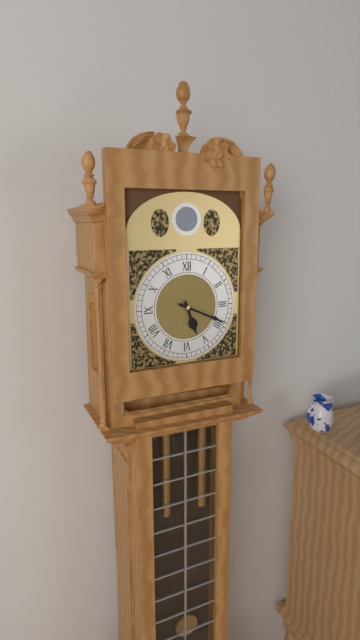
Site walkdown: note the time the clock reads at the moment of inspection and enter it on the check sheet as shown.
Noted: 5:19
